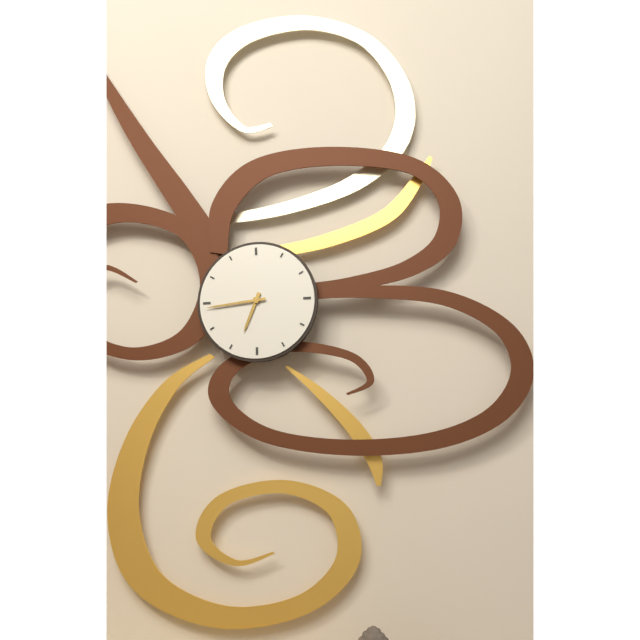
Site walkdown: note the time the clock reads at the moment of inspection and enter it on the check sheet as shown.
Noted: 6:44
